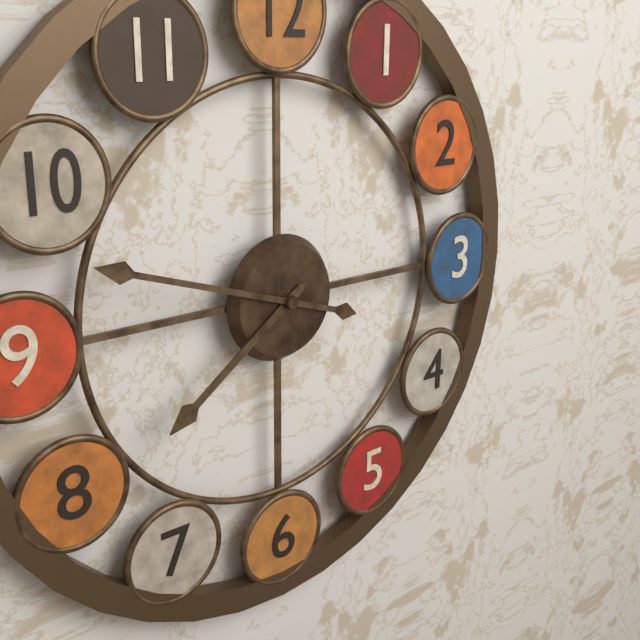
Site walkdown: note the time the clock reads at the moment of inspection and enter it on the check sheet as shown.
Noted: 7:48
